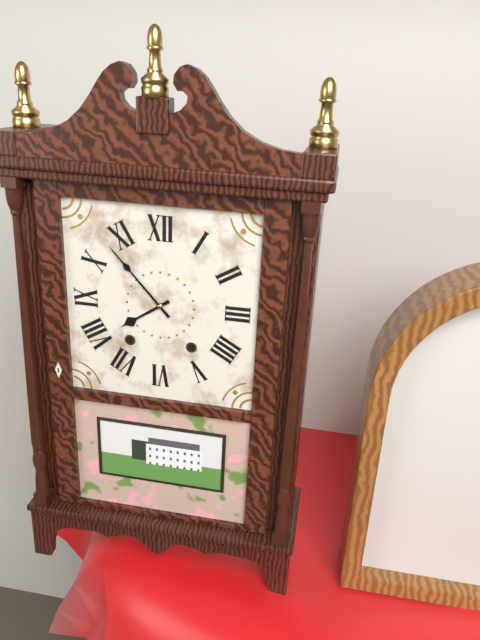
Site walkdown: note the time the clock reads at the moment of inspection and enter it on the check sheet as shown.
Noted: 7:53
